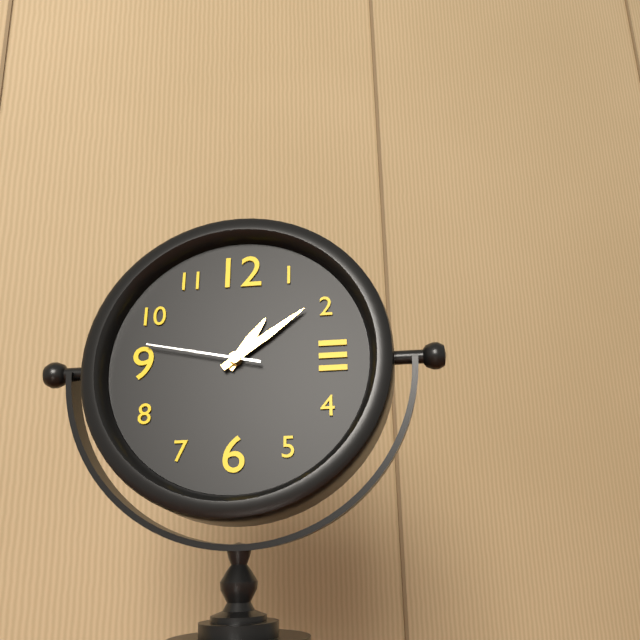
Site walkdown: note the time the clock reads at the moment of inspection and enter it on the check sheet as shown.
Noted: 1:09:47
